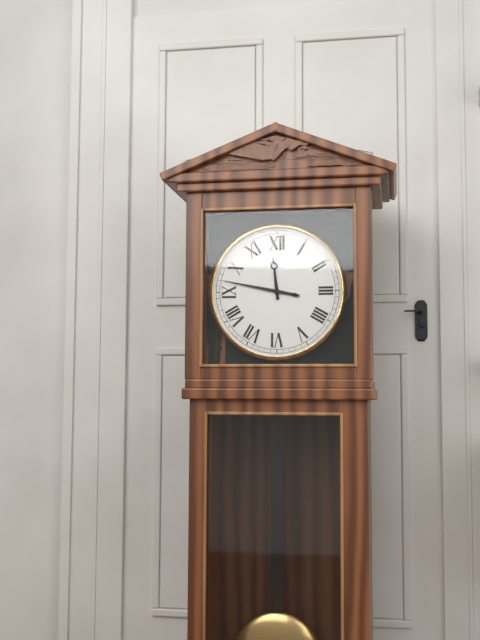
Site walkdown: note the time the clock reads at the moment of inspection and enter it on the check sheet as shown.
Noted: 11:47
